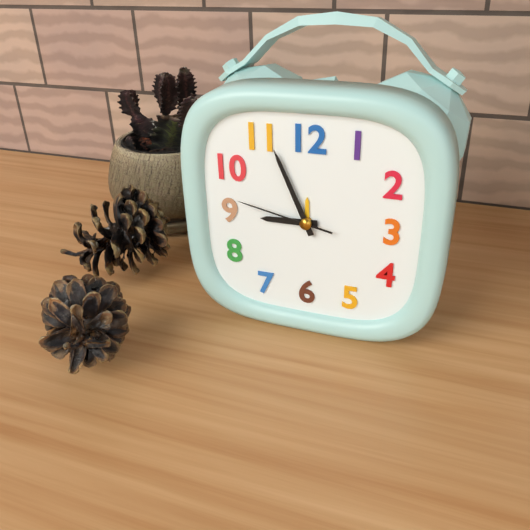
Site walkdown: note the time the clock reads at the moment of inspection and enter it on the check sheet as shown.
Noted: 8:56:47
